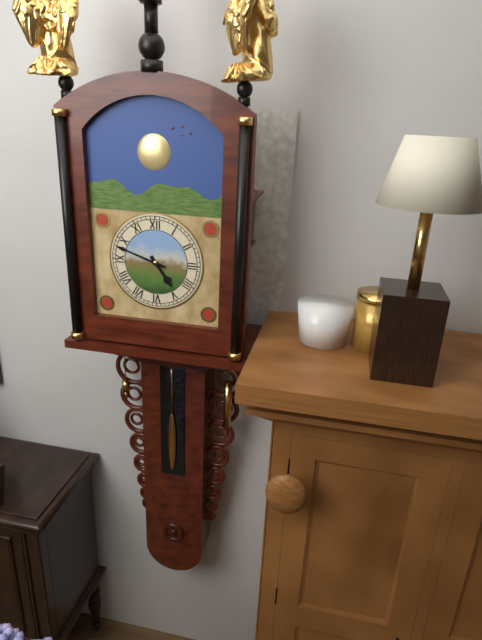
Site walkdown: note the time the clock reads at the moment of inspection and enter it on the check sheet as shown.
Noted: 4:48
